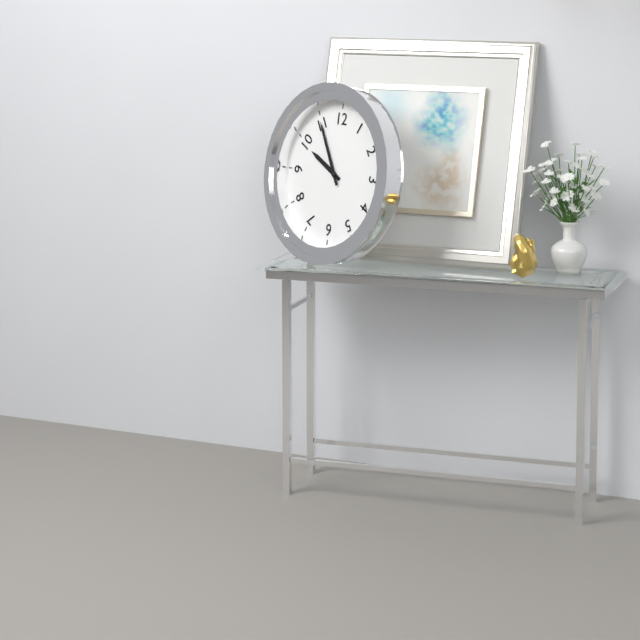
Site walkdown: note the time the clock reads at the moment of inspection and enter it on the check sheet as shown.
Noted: 9:55
